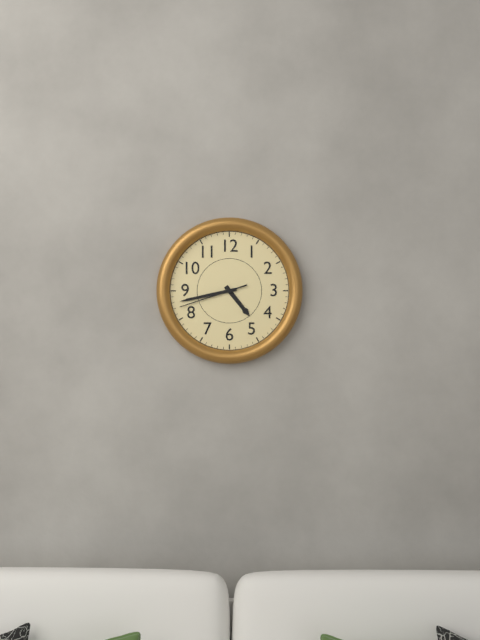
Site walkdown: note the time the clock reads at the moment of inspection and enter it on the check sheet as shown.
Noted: 4:43:42
